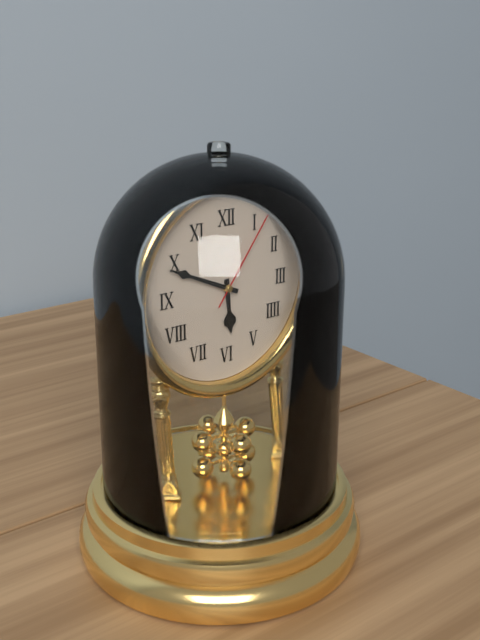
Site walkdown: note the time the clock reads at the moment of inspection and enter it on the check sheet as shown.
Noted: 5:49:06
